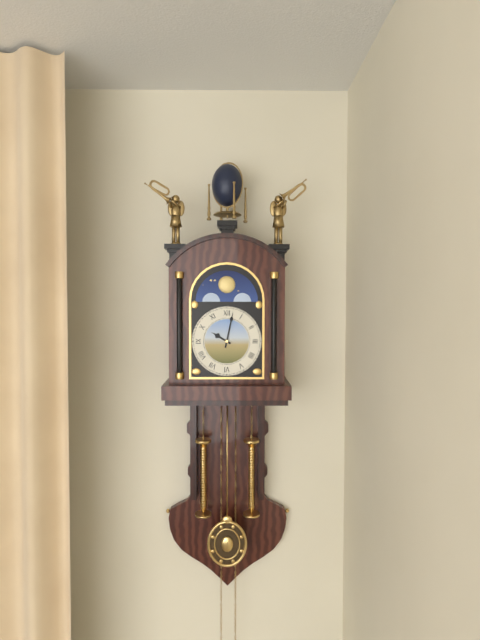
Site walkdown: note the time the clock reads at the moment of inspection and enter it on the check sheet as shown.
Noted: 10:02
